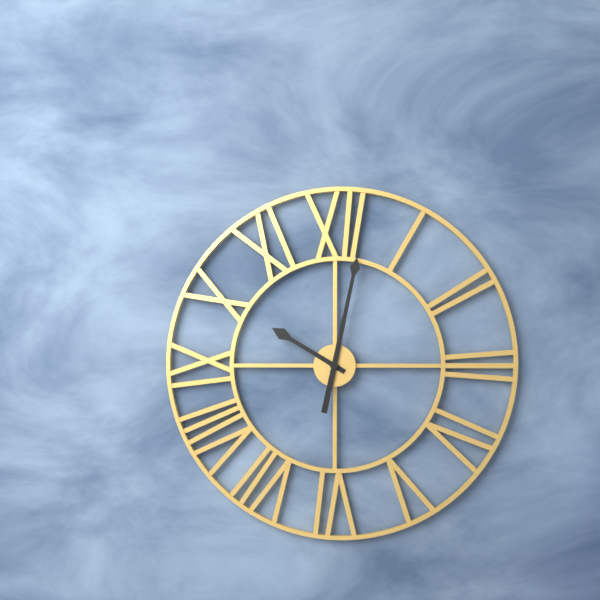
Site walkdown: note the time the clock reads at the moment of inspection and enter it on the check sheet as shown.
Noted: 10:02
